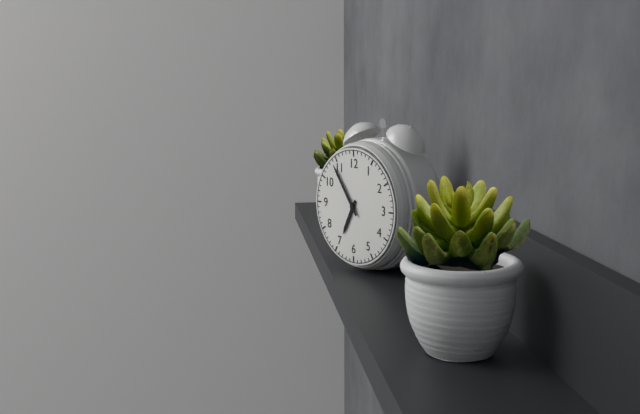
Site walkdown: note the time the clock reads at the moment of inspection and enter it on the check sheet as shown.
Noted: 6:54
